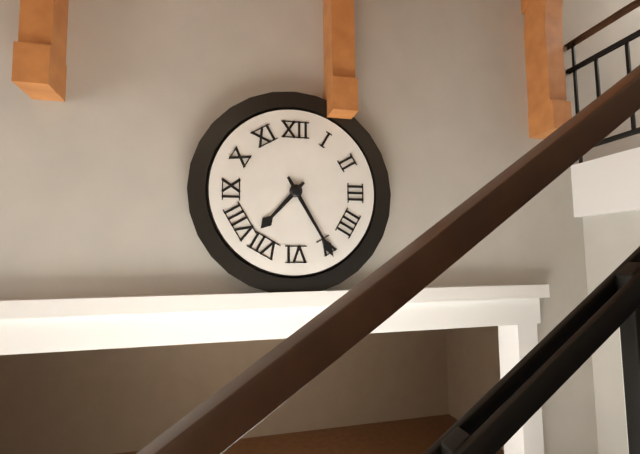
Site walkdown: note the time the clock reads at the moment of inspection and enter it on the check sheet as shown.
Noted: 7:25
